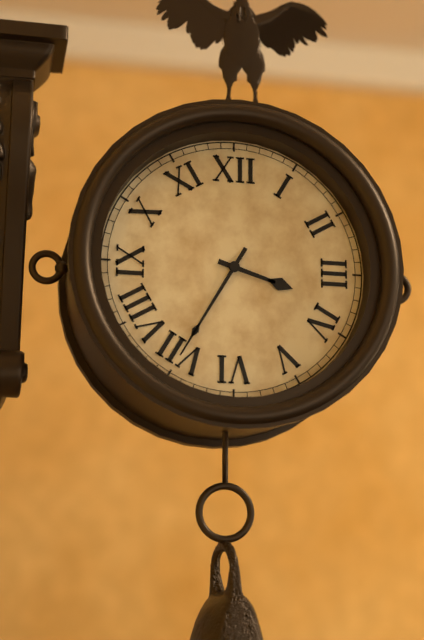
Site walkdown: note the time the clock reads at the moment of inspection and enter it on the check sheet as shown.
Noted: 3:35
